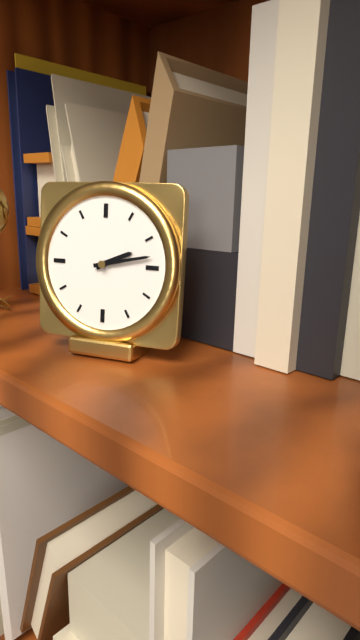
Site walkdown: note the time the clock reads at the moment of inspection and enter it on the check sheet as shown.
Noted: 2:13
